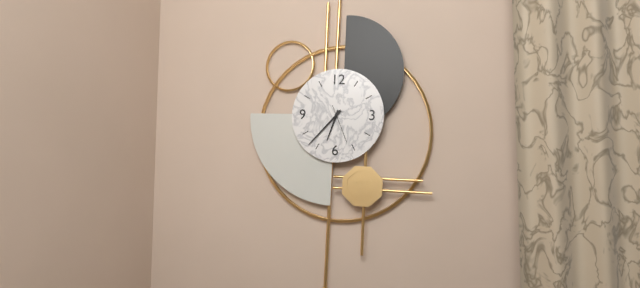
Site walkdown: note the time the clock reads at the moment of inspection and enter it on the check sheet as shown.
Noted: 6:37
